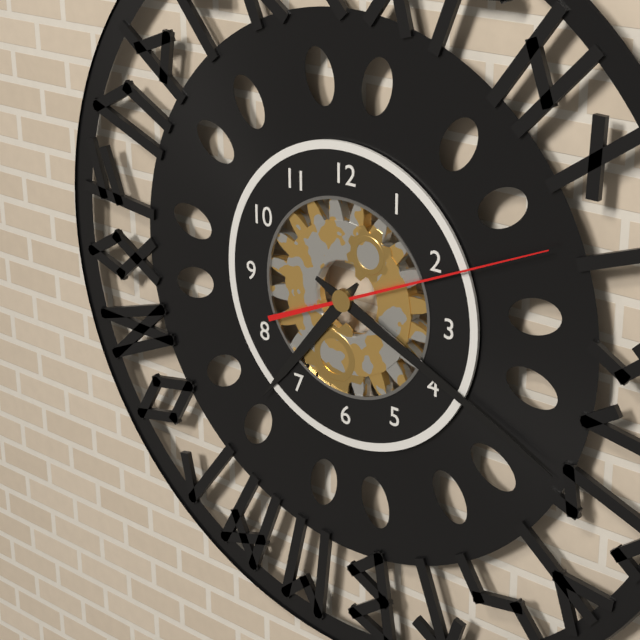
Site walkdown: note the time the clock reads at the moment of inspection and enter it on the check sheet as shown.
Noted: 7:19:11
